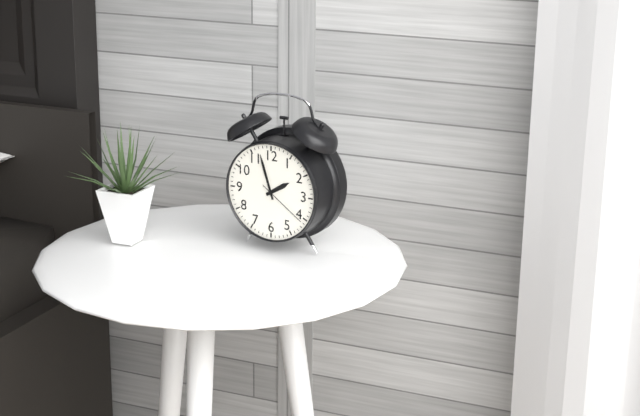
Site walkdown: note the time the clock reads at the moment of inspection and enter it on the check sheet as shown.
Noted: 1:57:21
